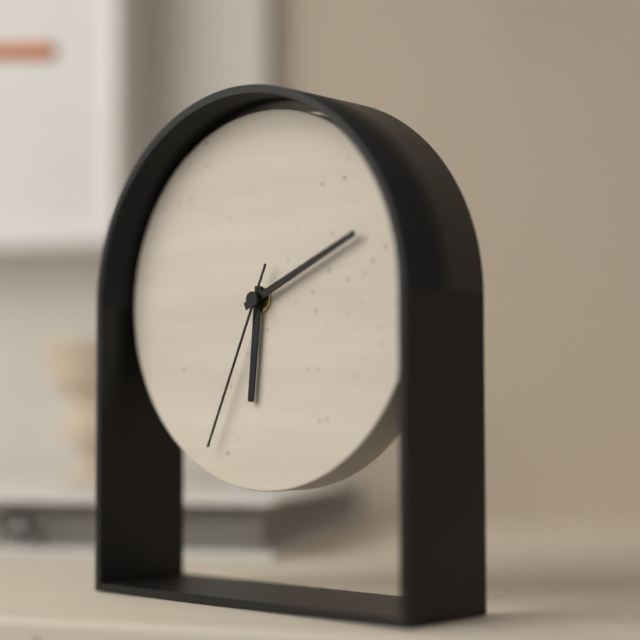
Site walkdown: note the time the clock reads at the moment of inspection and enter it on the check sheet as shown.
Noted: 6:11:34
